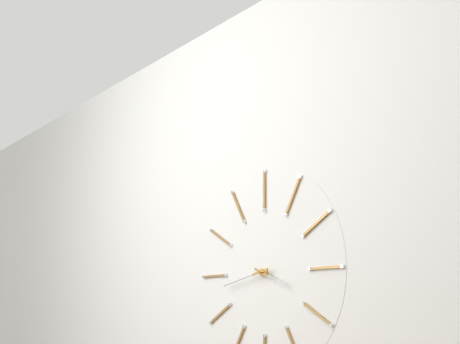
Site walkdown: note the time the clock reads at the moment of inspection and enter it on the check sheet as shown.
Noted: 3:43
